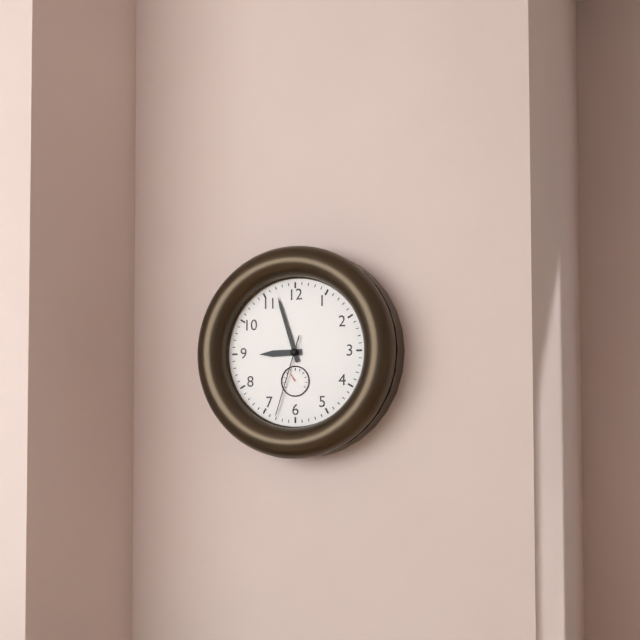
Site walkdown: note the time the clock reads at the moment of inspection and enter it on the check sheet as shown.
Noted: 8:57:33
